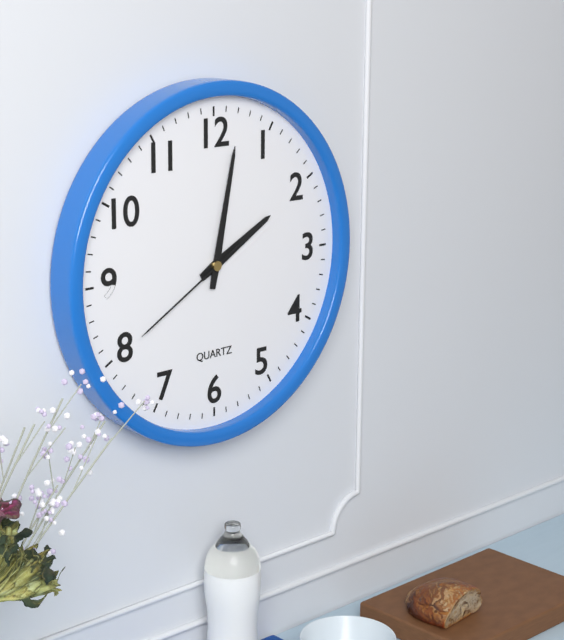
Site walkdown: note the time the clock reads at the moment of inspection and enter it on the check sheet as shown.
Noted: 2:02:40
